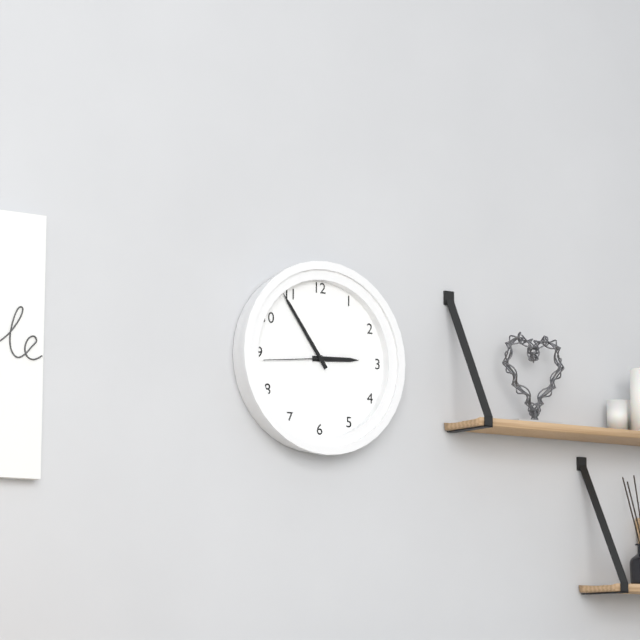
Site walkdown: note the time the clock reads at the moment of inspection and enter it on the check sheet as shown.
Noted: 2:54:44
